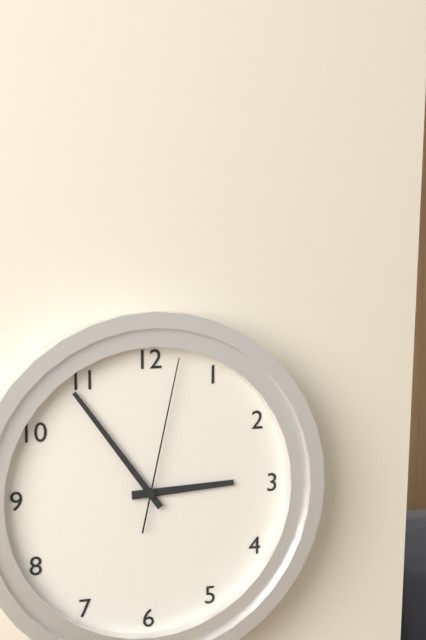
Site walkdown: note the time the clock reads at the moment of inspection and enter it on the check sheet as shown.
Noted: 2:54:02
